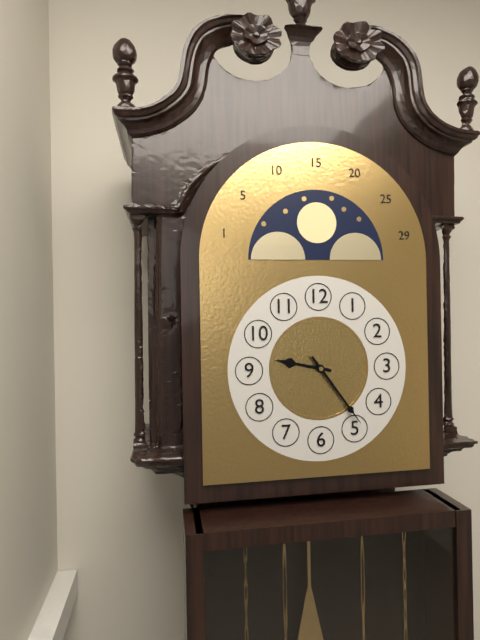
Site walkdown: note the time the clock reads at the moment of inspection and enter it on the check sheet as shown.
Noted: 9:24
